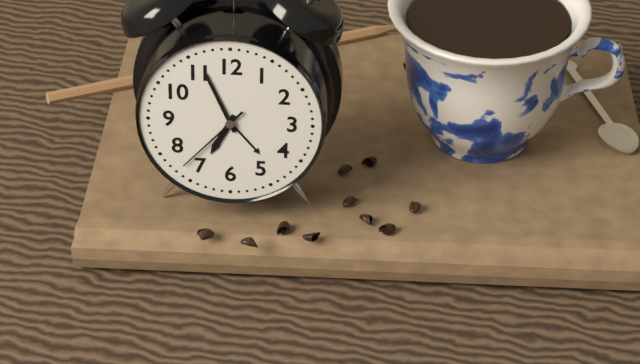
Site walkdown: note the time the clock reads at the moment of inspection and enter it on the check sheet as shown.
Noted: 6:56:37
